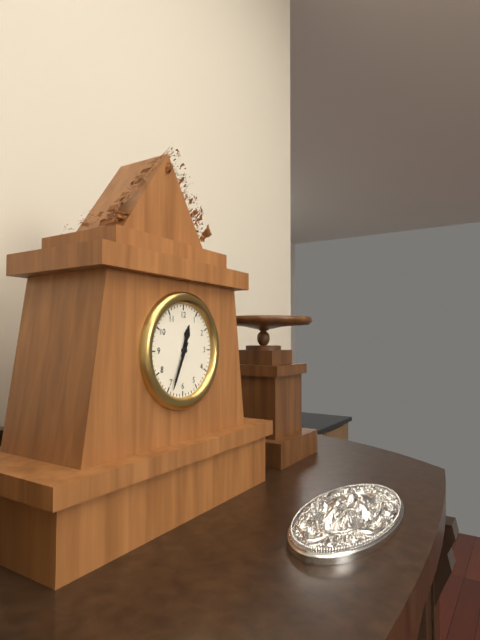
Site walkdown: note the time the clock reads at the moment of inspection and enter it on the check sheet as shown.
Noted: 12:34
